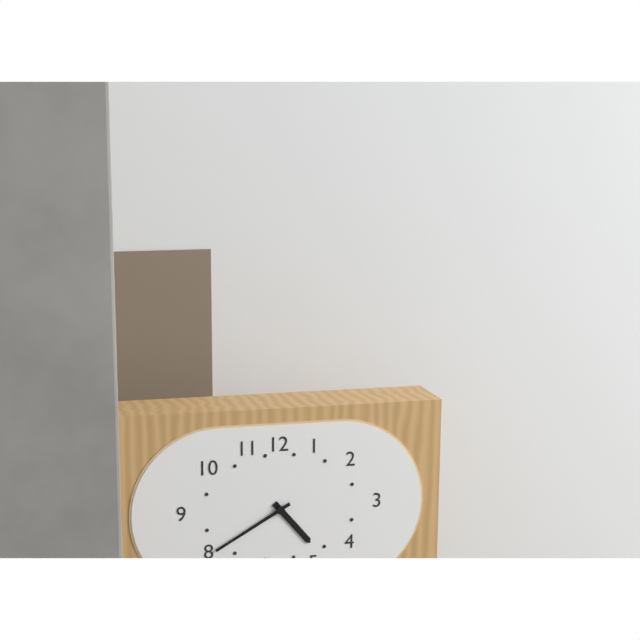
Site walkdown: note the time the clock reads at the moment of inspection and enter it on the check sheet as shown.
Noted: 4:40
